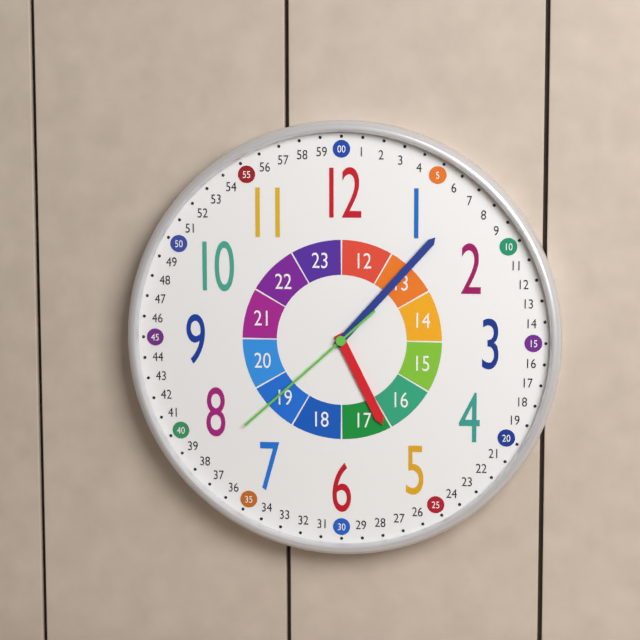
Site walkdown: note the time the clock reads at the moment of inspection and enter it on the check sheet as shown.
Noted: 5:07:38
